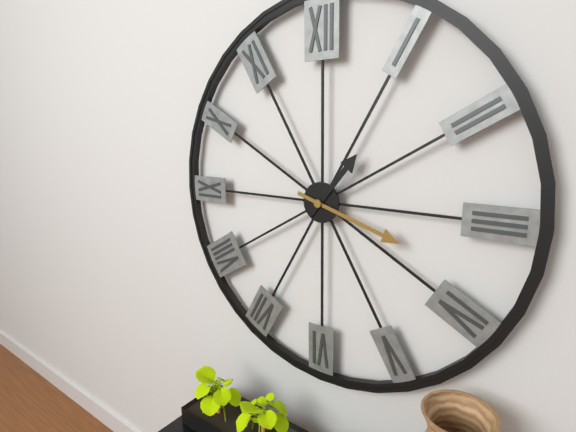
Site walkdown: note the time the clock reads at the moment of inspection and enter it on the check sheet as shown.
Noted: 1:18
